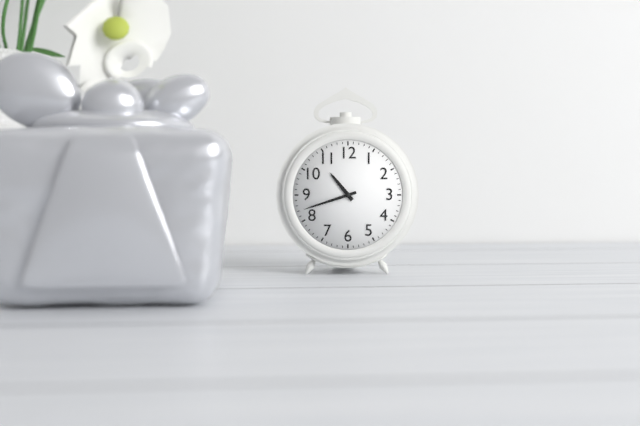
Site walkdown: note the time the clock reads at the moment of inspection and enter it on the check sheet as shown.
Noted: 10:42
